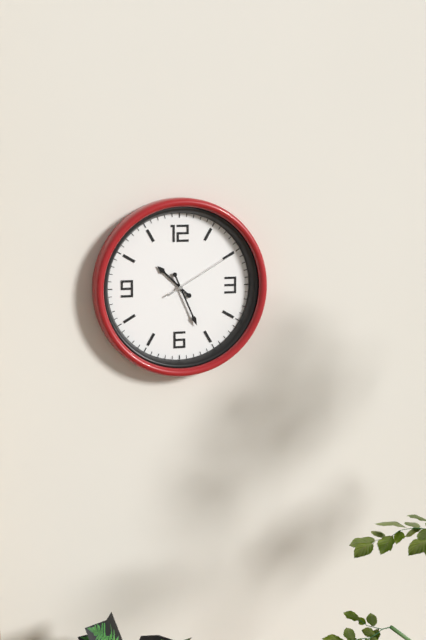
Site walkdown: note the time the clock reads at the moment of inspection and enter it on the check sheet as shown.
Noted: 10:26:10
